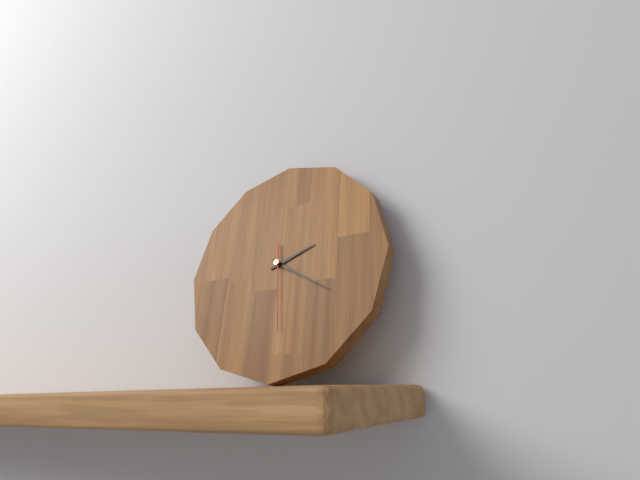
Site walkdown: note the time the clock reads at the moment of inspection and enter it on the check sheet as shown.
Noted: 2:20:29
